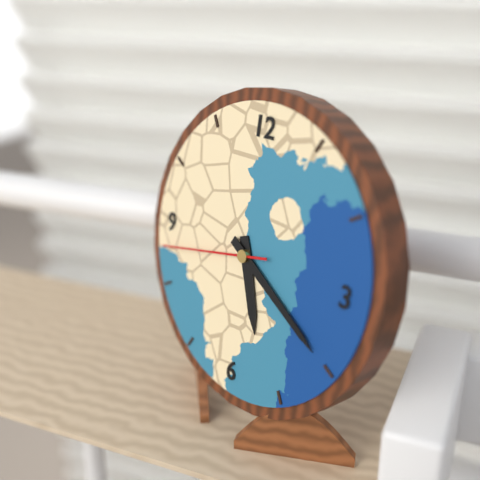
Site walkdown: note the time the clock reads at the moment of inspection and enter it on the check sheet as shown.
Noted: 5:20:43
